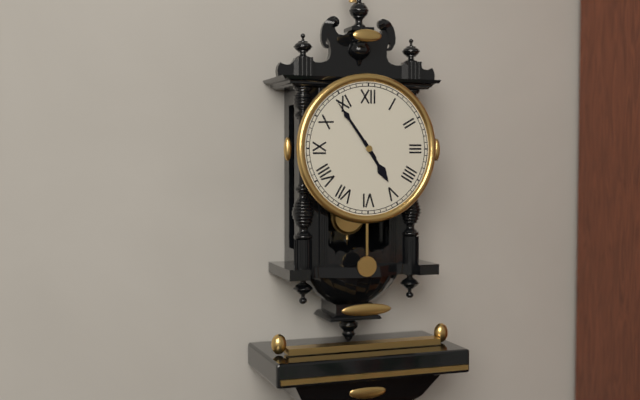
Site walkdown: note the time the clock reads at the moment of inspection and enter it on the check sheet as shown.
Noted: 4:54
